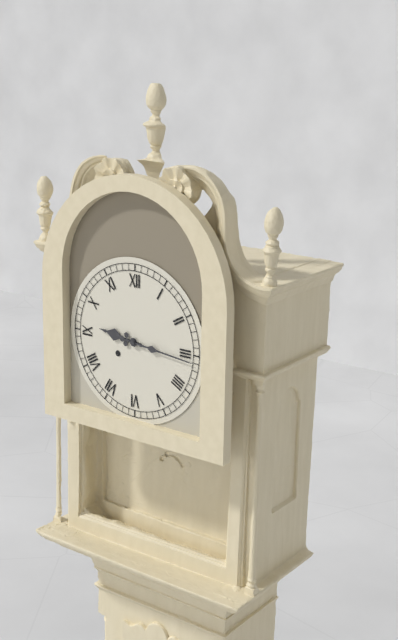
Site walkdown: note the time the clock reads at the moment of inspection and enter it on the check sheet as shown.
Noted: 9:16
